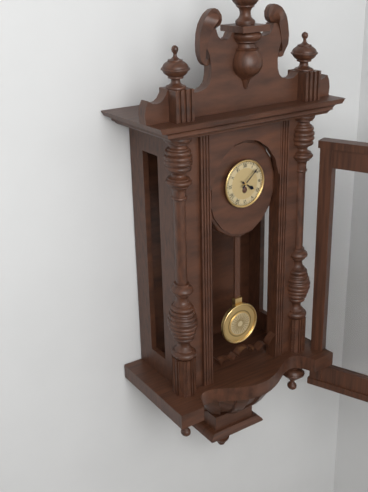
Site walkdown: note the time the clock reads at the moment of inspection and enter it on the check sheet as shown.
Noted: 4:08
